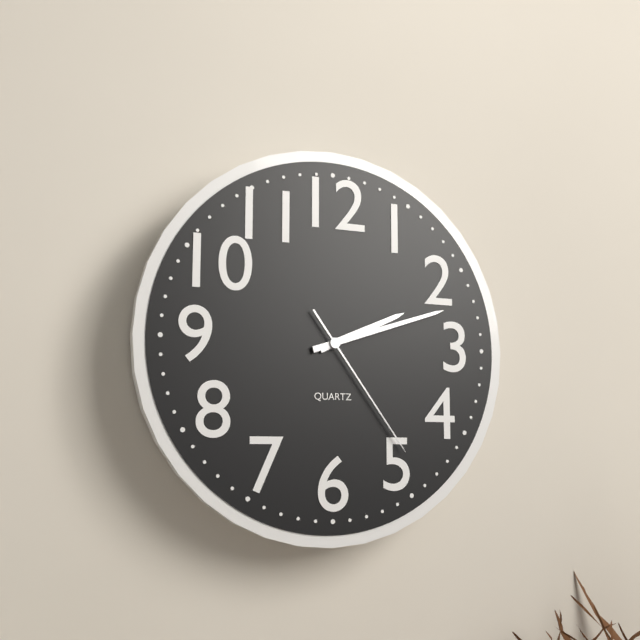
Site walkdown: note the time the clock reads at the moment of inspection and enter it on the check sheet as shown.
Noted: 2:12:24
